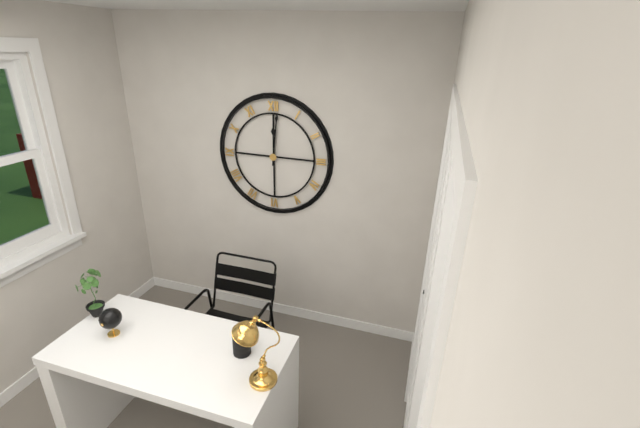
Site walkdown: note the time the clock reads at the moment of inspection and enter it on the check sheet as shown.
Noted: 12:01
